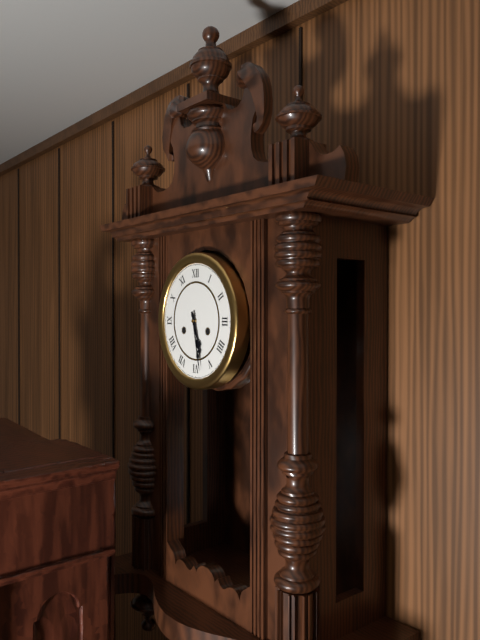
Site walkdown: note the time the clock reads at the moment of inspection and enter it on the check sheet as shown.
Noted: 5:28
